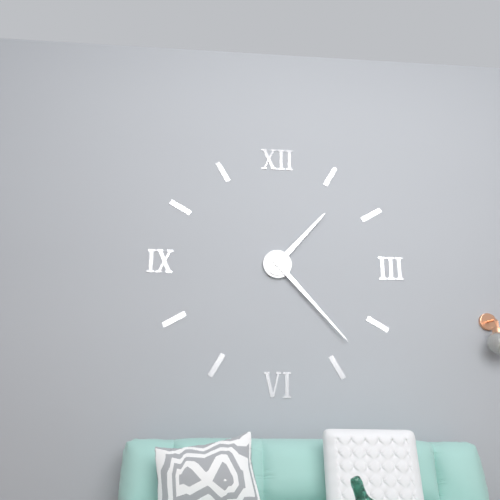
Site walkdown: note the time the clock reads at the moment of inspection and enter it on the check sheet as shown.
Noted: 1:23
